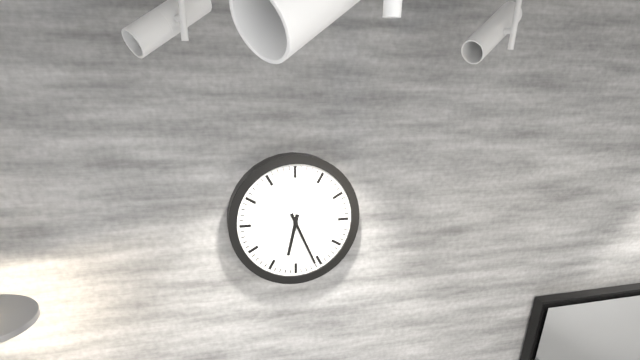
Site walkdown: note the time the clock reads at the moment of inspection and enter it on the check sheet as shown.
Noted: 6:26
